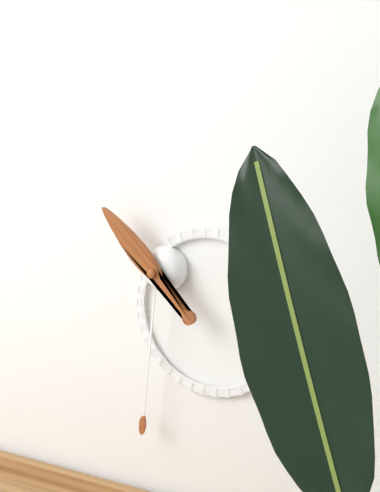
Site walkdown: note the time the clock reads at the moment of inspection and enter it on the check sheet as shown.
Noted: 10:31
